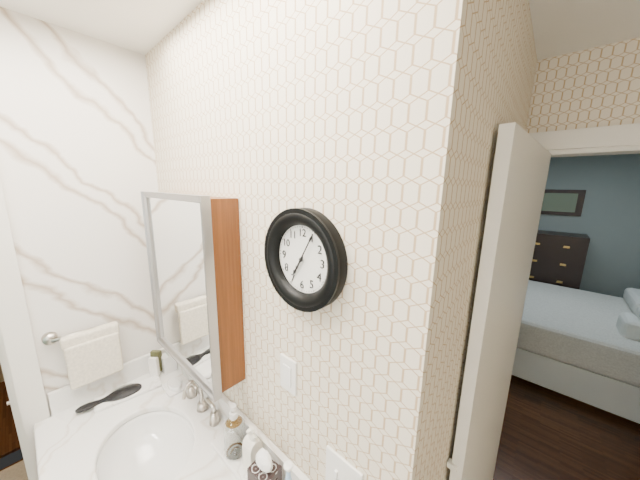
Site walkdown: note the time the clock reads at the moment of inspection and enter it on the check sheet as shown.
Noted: 7:05
